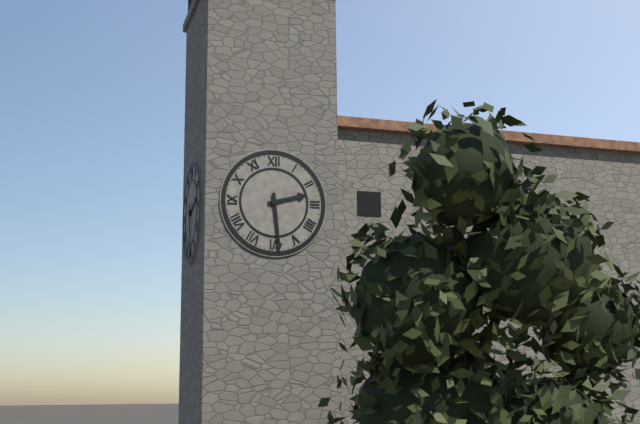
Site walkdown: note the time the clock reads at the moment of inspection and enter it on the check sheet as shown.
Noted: 2:29
